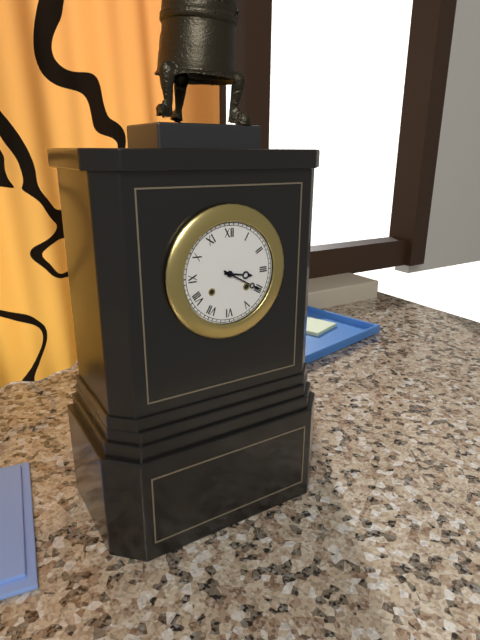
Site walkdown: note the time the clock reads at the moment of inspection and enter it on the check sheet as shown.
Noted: 3:20
